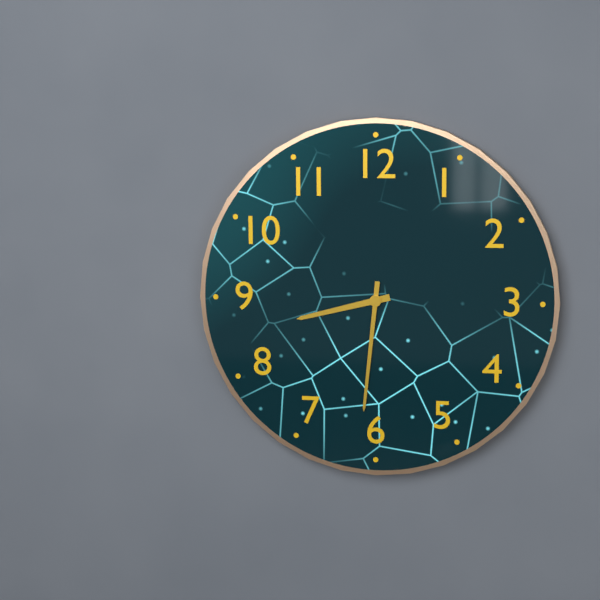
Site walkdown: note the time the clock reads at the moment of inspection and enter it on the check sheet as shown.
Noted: 8:31
